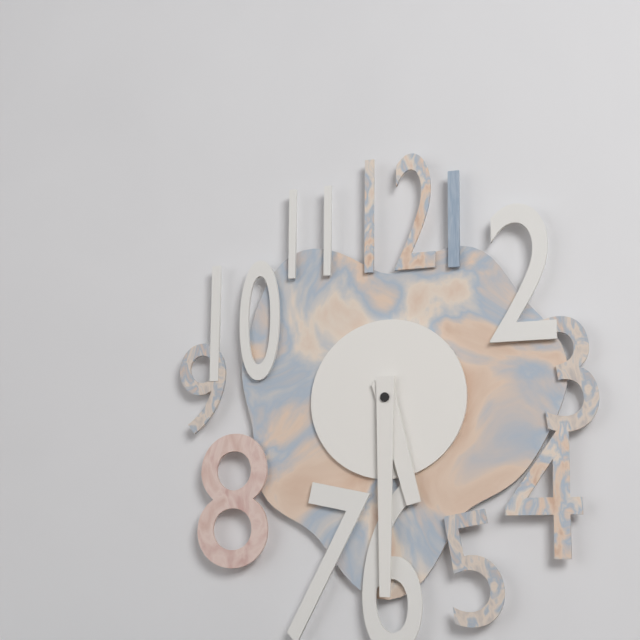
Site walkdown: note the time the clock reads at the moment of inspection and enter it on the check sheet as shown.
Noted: 5:30
